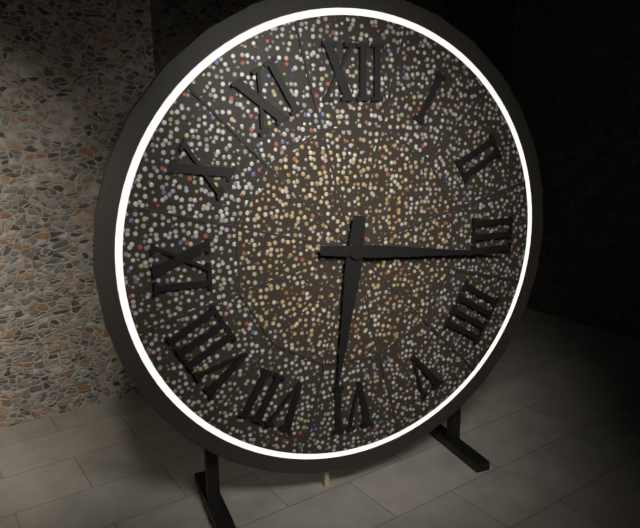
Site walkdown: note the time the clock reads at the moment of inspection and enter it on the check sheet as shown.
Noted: 6:16
